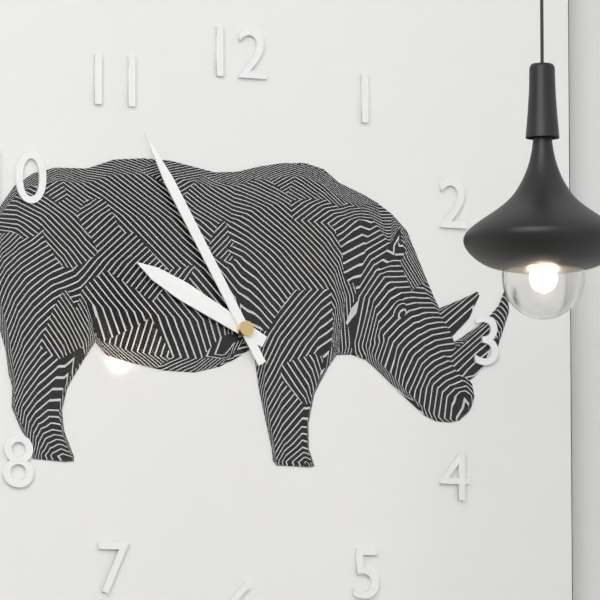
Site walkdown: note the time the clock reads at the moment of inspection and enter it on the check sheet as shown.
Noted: 9:55
